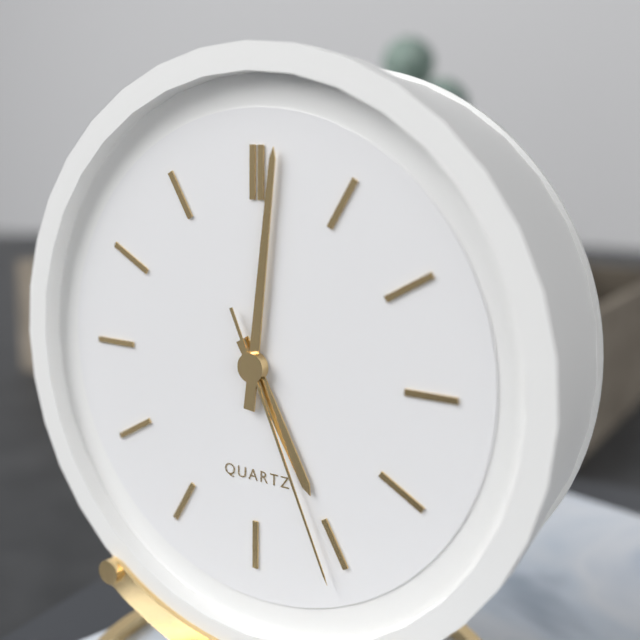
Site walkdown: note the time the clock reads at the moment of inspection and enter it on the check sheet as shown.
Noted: 5:01:26
